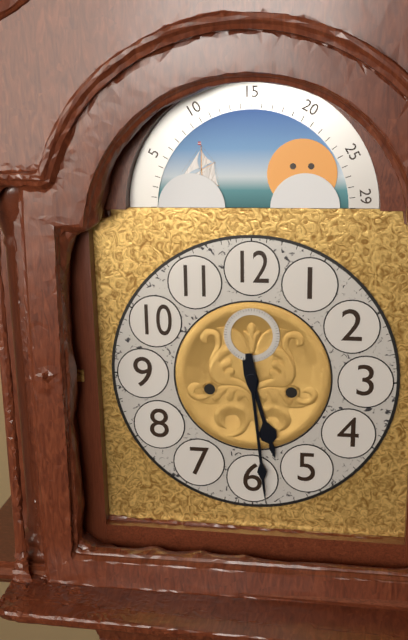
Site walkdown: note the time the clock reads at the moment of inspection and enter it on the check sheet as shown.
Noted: 5:29
